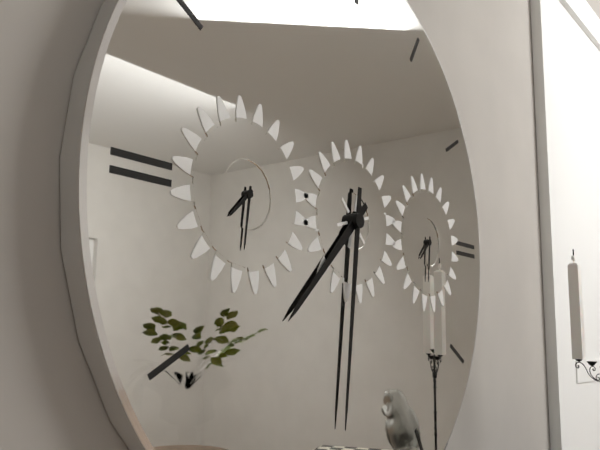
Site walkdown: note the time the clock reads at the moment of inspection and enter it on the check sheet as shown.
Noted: 7:31
